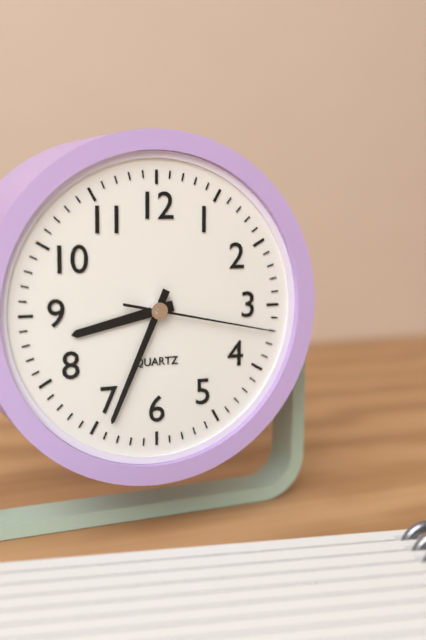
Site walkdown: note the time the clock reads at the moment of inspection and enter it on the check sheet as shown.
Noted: 8:34:17
